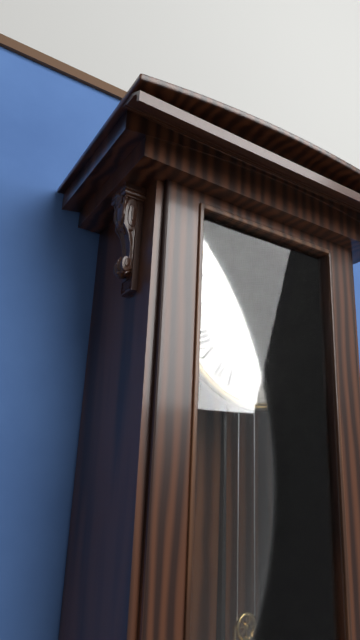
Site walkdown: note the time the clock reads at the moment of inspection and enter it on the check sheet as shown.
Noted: 11:09
